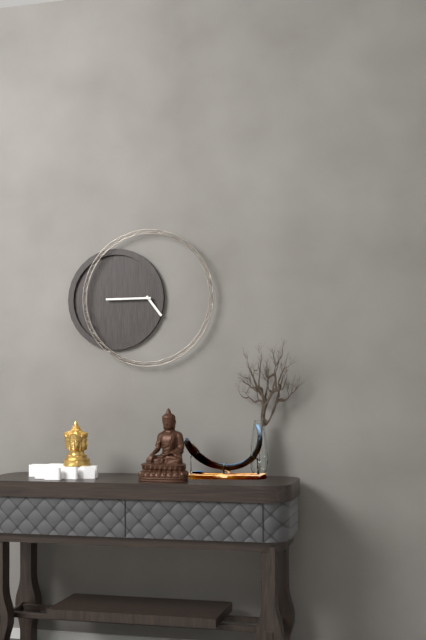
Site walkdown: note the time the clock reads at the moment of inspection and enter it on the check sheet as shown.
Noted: 4:45
